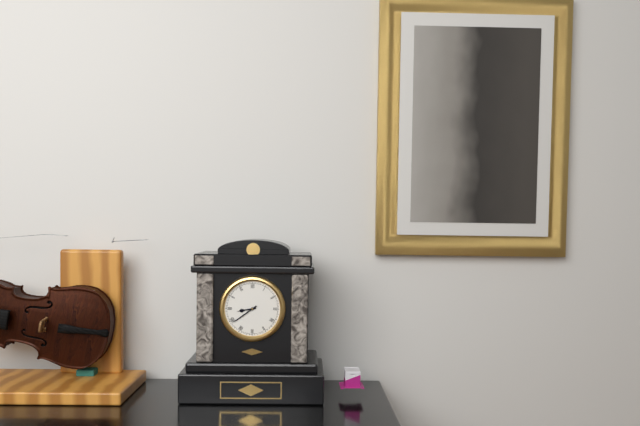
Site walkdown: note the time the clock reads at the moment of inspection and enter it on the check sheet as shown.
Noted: 8:39
